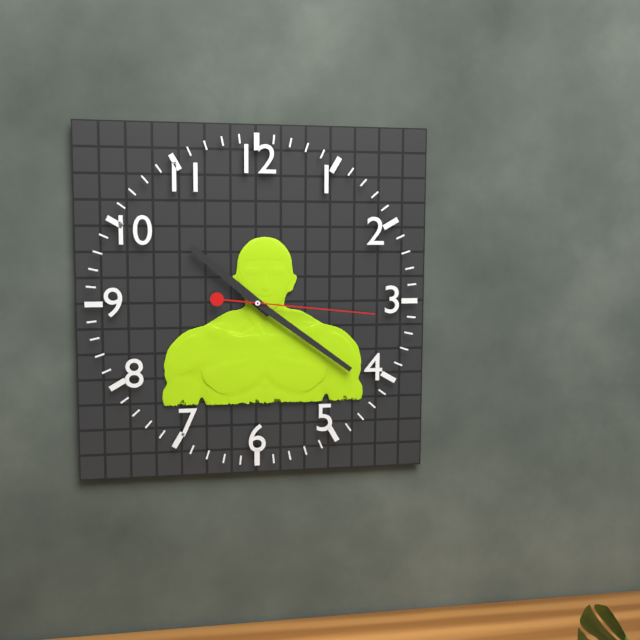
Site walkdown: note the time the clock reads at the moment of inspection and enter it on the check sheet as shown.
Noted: 10:21:16
